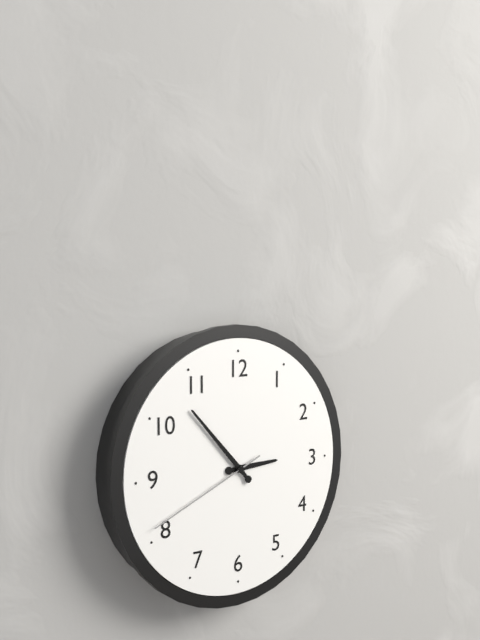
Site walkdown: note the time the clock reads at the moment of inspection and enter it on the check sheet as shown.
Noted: 2:53:41
